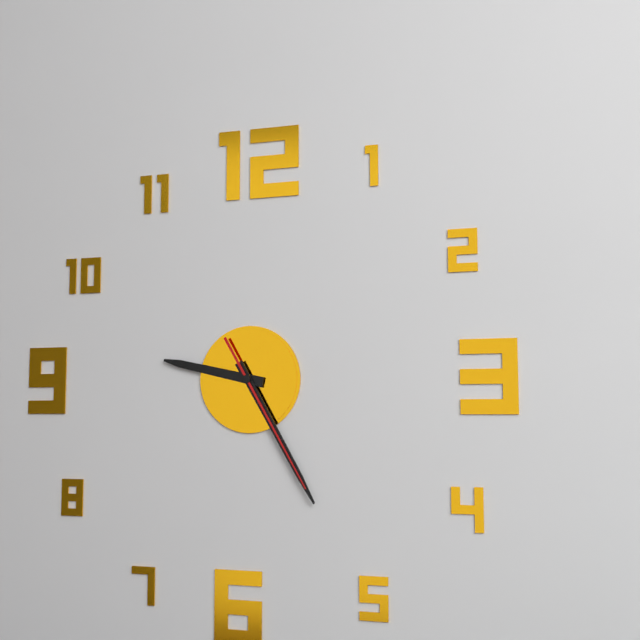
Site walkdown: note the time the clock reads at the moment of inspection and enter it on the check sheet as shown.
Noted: 9:25:25
